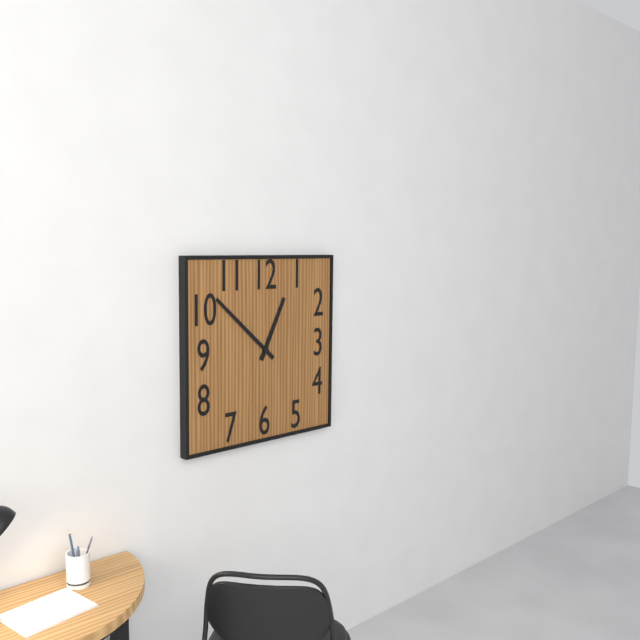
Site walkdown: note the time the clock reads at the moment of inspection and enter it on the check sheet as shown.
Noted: 12:52
